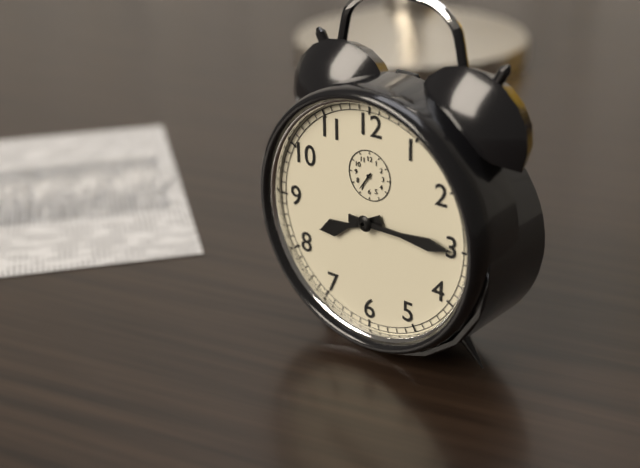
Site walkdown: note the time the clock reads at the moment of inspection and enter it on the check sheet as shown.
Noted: 8:15
